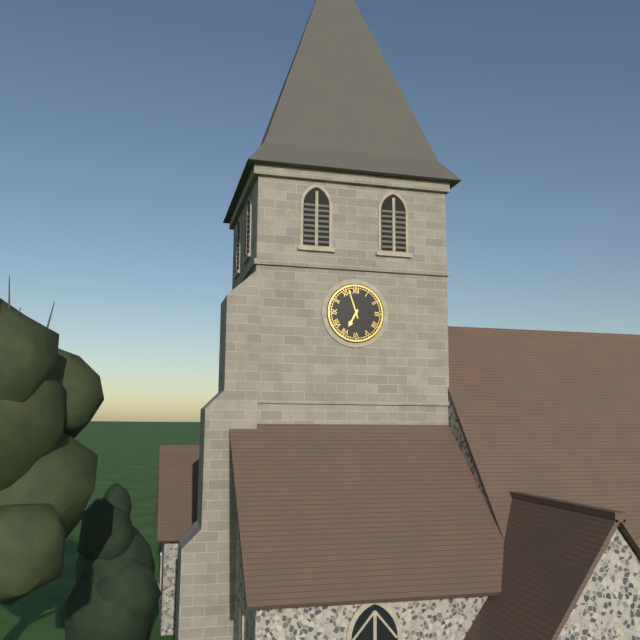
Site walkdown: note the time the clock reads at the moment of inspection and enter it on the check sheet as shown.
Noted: 6:57
